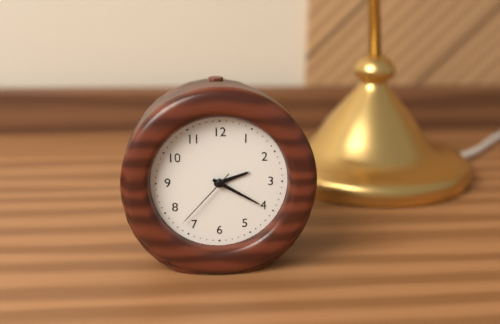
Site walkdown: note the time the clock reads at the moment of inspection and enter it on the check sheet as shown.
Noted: 2:20:37
